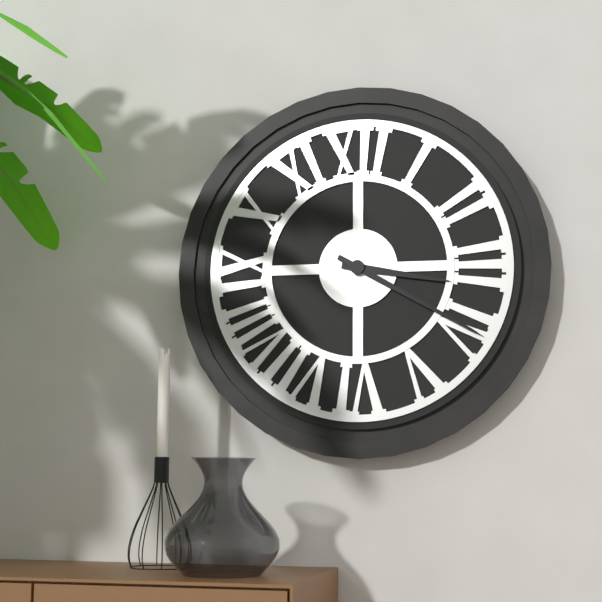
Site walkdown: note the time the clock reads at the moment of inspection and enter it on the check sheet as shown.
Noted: 3:20
